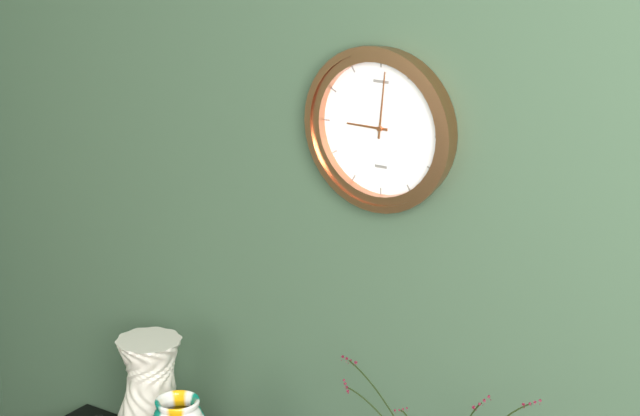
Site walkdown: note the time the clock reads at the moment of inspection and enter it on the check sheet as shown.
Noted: 9:01
